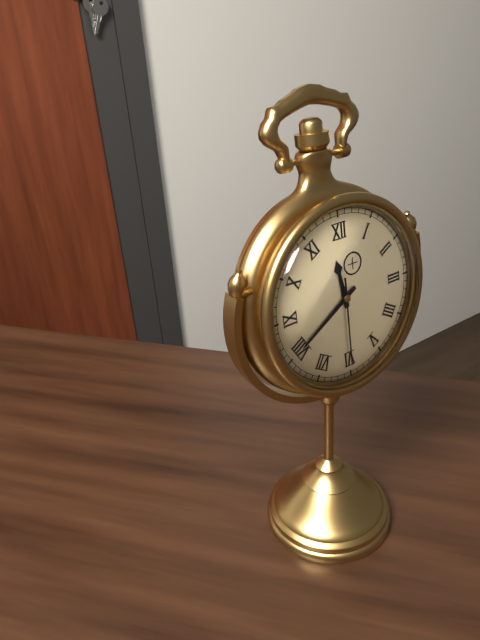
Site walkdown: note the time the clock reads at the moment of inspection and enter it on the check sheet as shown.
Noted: 11:40:30
